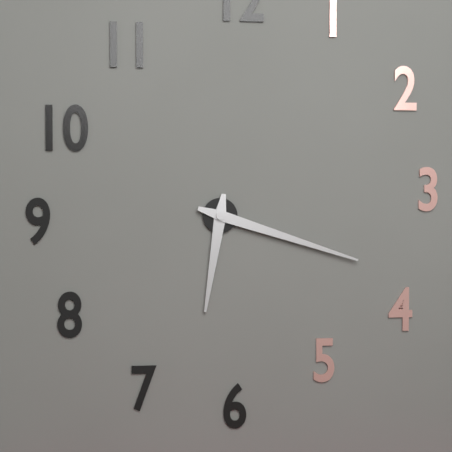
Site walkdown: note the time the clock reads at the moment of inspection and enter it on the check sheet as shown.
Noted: 6:18
